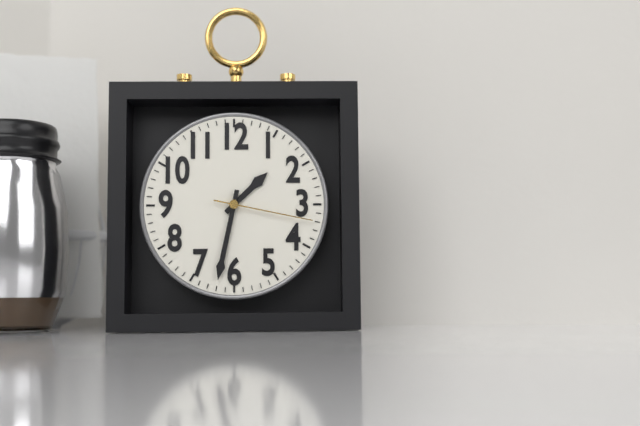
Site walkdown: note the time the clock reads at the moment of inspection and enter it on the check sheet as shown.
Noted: 1:32:17
